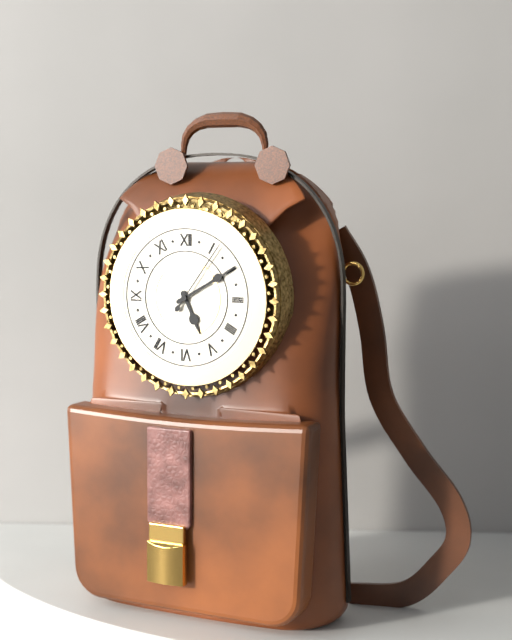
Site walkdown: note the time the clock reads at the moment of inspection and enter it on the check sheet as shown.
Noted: 5:10:06
